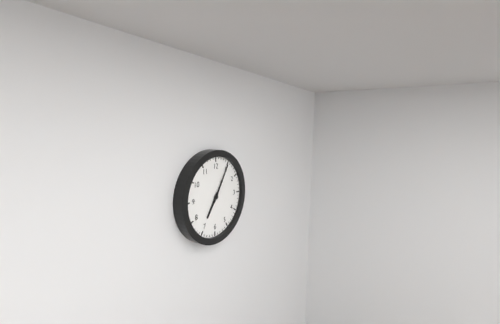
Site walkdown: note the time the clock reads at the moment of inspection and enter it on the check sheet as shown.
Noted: 7:05
